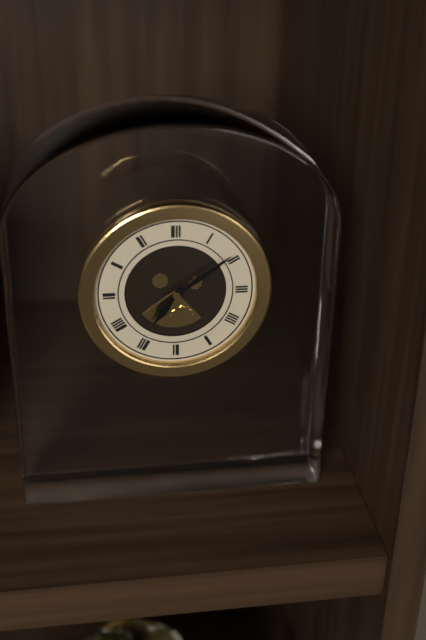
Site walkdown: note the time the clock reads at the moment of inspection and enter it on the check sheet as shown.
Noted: 7:09
